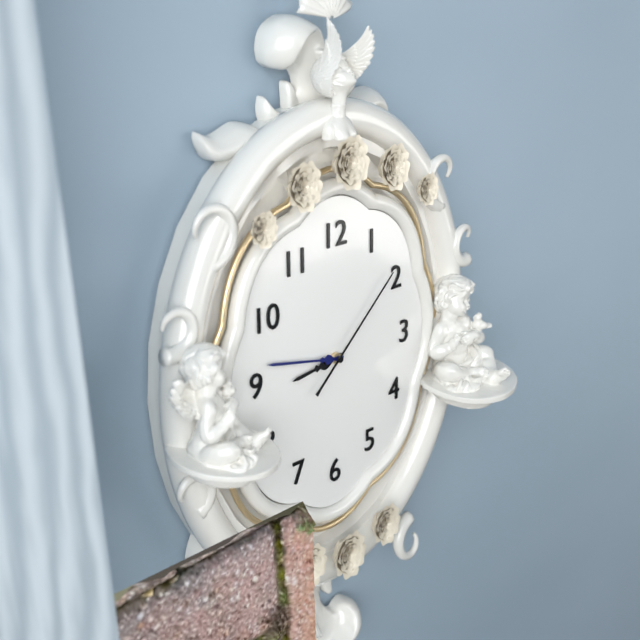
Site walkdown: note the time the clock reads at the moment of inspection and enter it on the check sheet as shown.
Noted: 8:47:08
